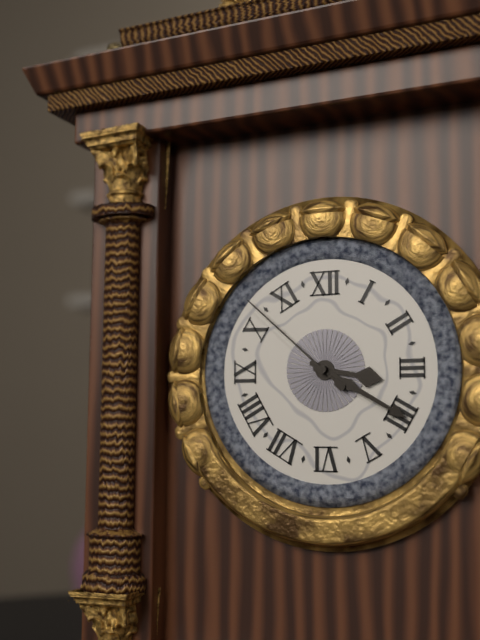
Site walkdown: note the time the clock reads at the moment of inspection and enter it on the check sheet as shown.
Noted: 3:20:52
